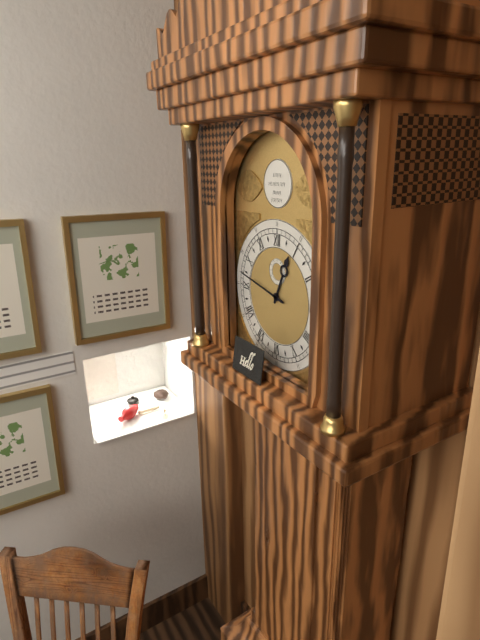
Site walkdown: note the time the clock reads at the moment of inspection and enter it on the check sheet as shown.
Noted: 12:47
